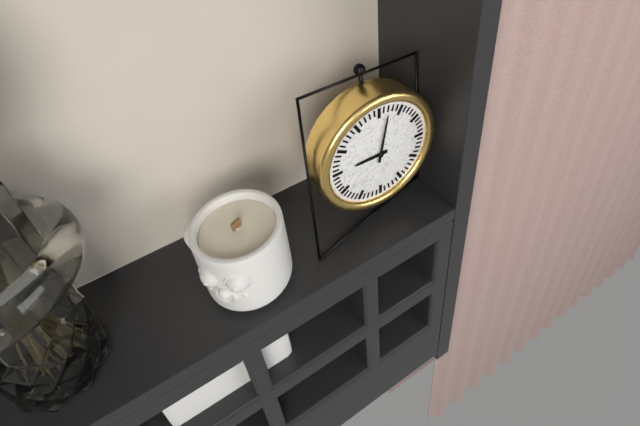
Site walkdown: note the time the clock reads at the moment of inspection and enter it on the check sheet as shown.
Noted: 9:02
